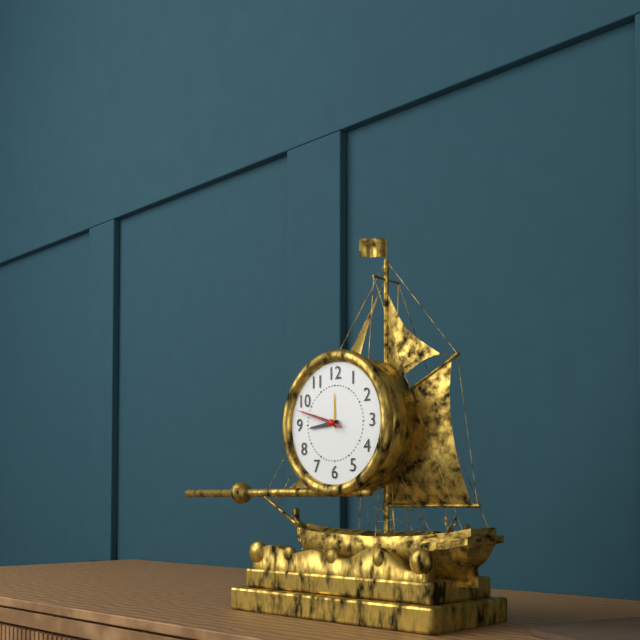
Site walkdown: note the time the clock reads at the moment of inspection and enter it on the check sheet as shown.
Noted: 8:48
